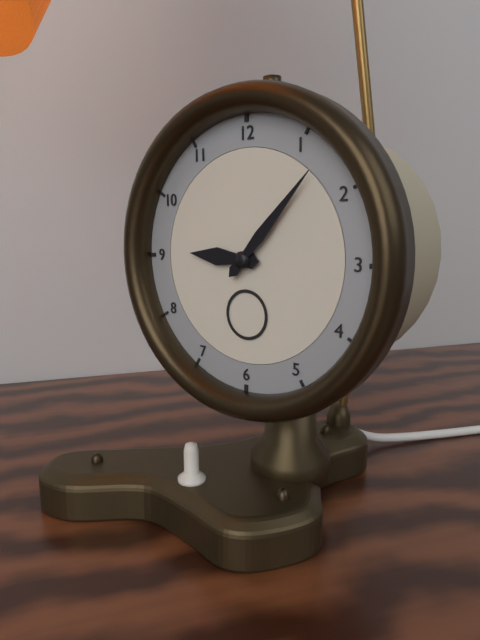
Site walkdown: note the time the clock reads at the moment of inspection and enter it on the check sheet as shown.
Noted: 9:07
